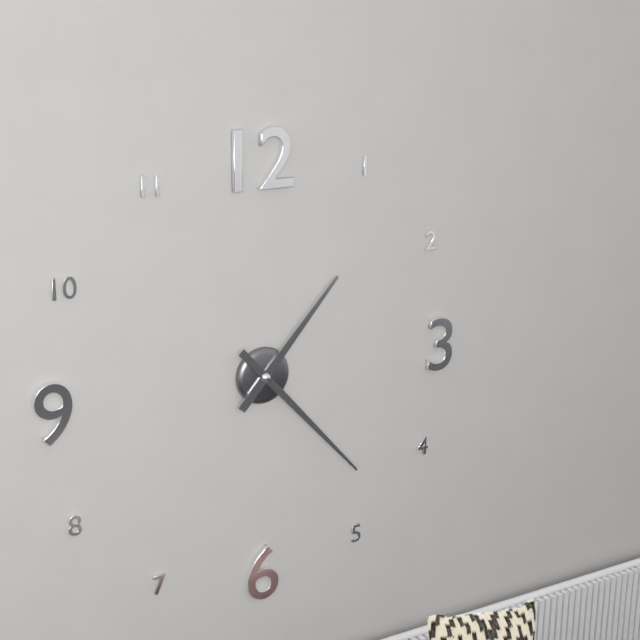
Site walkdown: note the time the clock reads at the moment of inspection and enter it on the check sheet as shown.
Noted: 1:23
